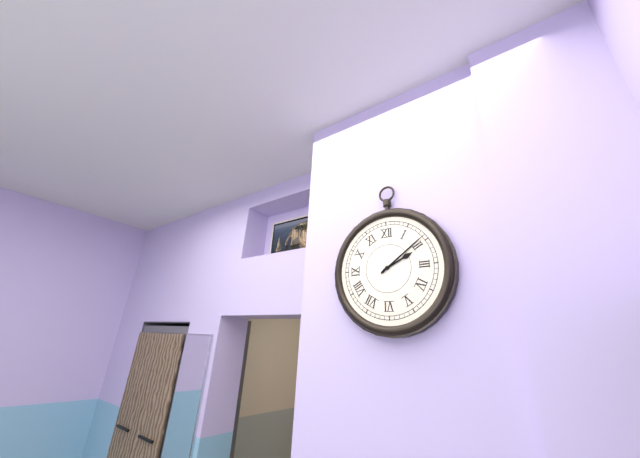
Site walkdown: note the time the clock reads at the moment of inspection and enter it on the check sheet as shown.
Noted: 2:09
